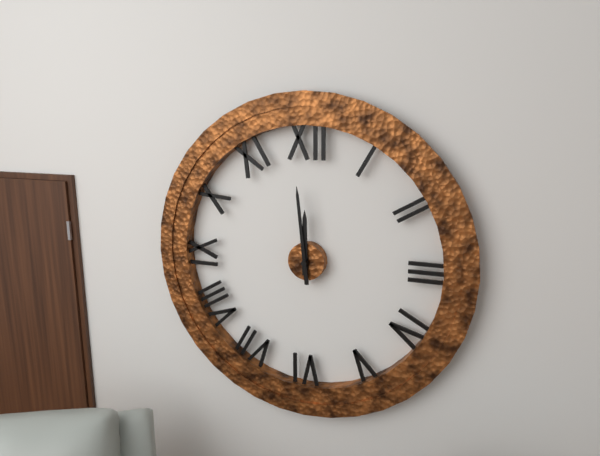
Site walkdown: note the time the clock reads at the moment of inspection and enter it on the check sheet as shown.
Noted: 11:59
